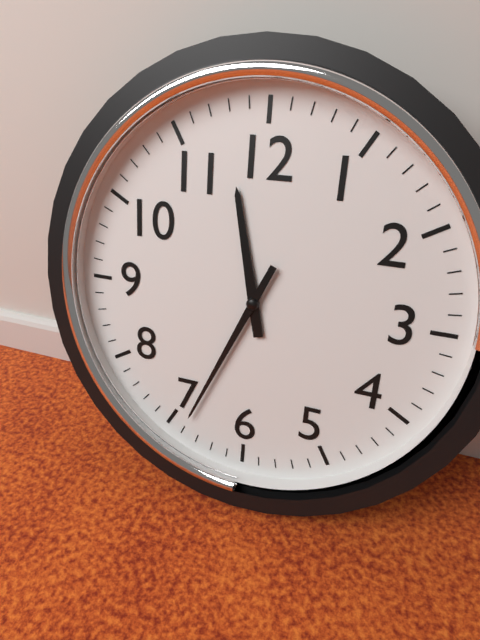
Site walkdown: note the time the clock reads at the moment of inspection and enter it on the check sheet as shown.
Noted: 11:34
